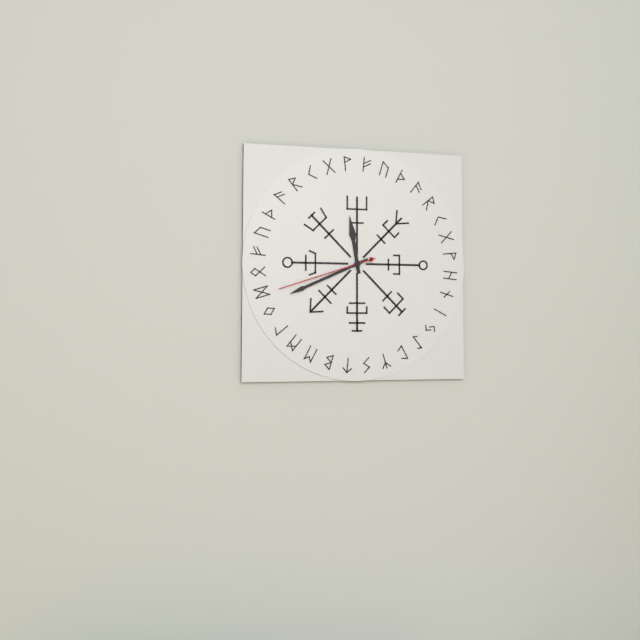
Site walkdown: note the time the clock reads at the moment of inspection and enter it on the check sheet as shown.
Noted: 11:41:42
